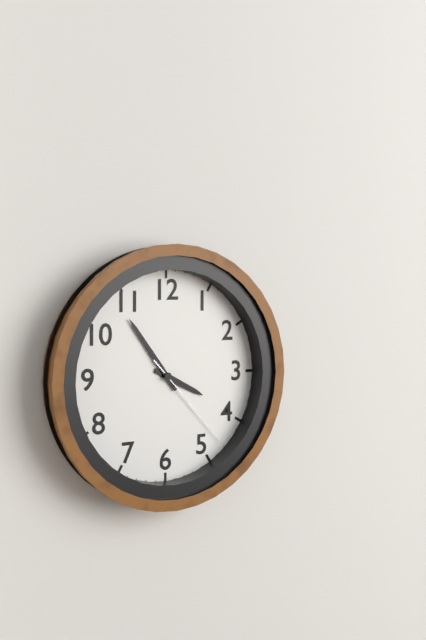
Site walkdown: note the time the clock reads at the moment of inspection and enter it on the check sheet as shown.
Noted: 3:54:23
